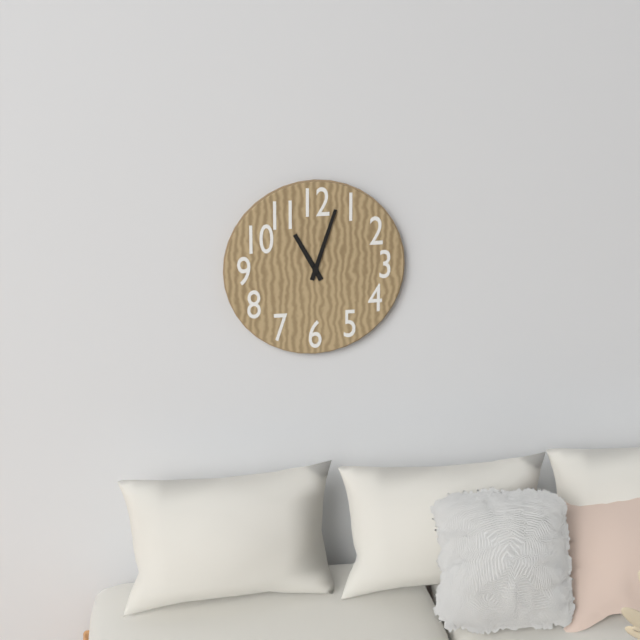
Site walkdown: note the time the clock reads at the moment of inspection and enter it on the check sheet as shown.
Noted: 11:03
